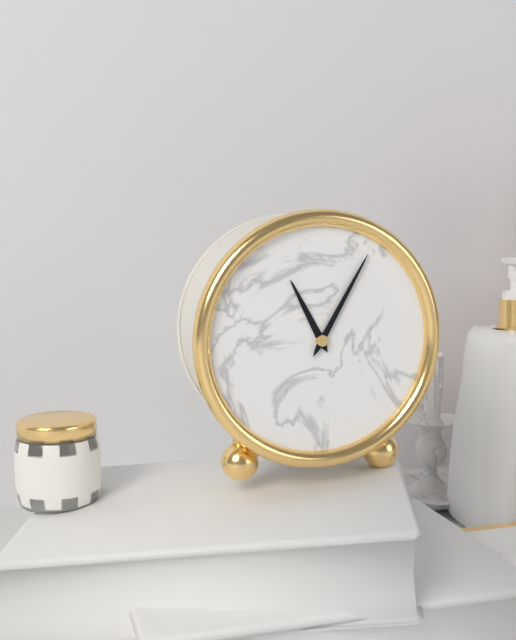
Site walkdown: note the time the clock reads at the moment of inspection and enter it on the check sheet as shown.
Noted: 11:05
